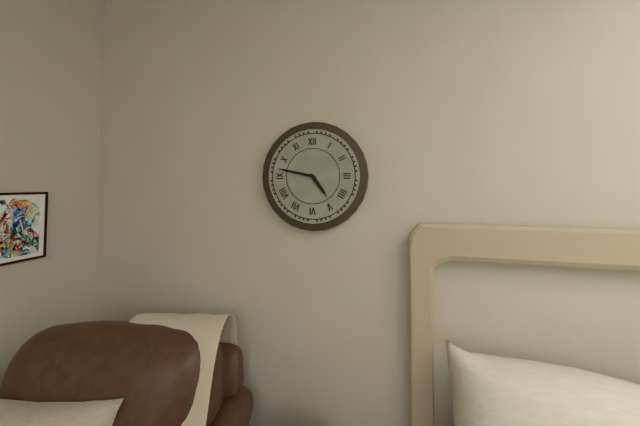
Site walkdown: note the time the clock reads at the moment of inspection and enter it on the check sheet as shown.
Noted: 4:47
